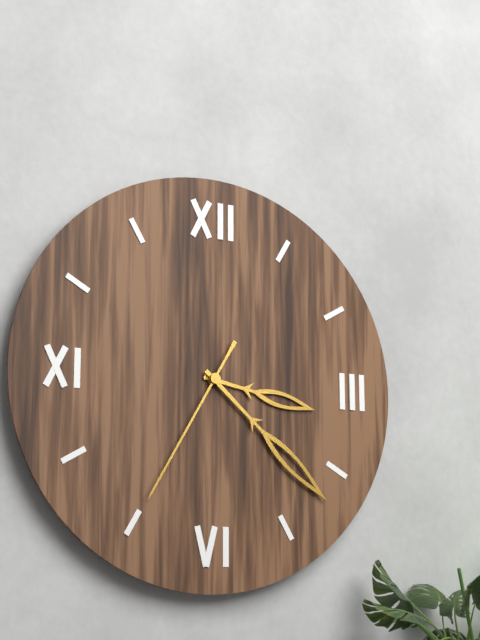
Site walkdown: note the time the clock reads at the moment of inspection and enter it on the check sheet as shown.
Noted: 3:22:35
